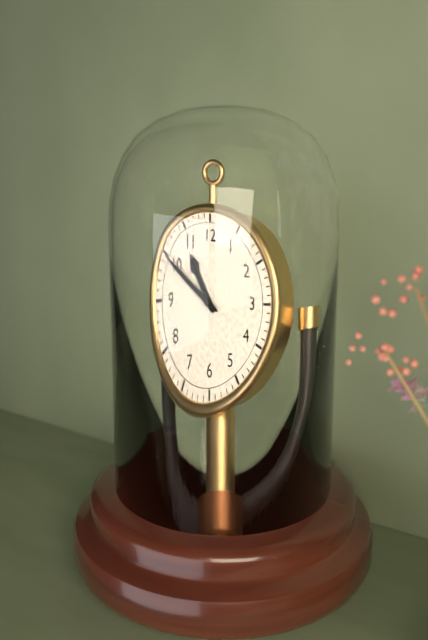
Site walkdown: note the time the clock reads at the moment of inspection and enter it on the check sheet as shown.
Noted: 10:50
